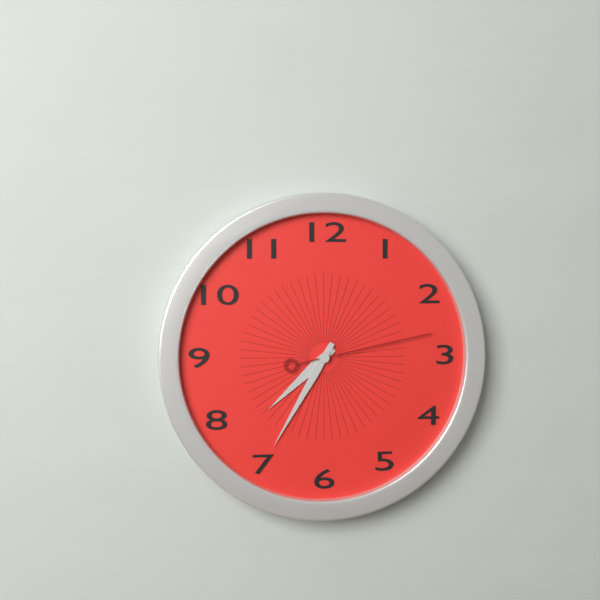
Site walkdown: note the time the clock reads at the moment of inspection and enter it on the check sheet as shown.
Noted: 7:35:13
